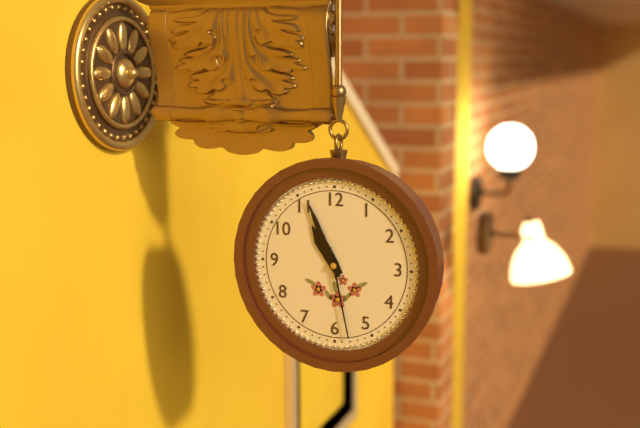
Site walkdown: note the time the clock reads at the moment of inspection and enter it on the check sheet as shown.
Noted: 10:56:28
